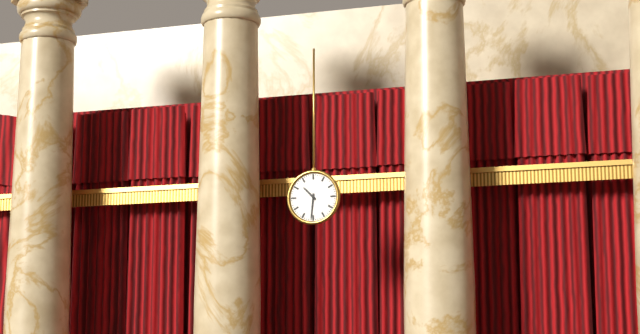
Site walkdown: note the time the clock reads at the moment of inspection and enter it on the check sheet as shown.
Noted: 10:31
